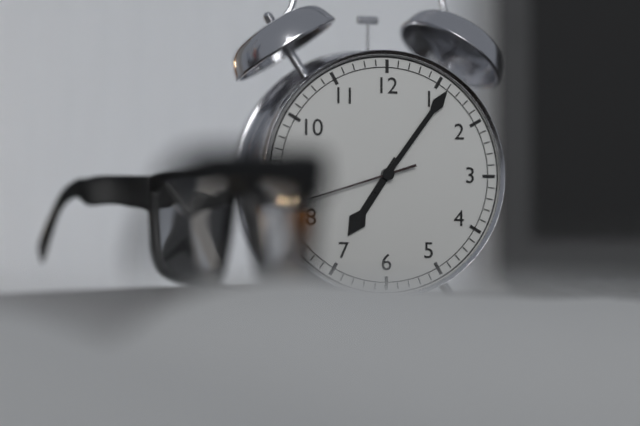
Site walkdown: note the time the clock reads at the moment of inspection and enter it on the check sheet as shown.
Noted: 7:06
